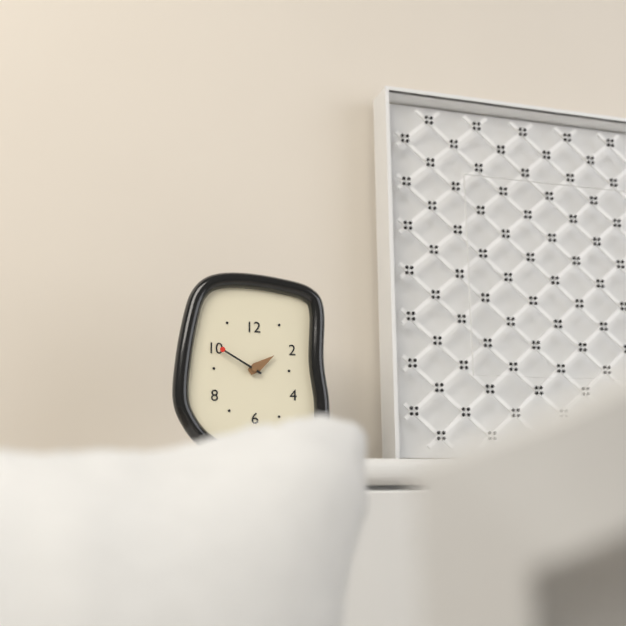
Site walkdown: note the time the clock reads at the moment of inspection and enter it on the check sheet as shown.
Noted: 1:50
